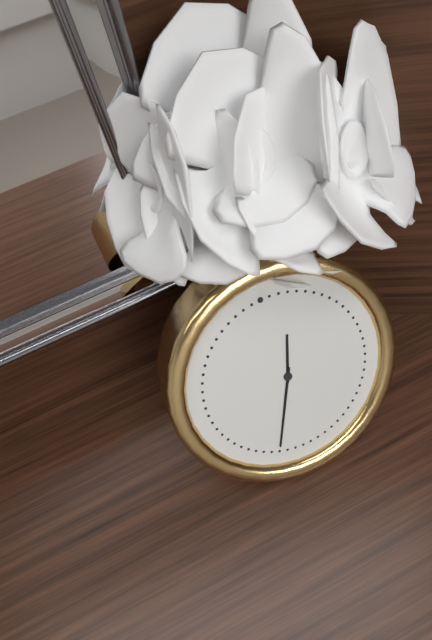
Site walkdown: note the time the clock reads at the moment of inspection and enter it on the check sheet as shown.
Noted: 12:34
